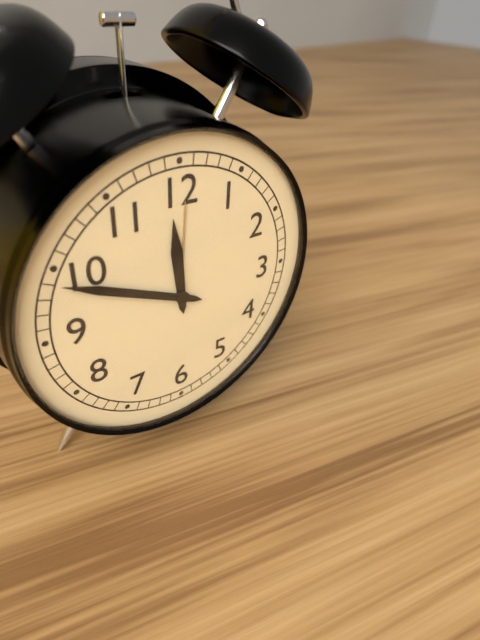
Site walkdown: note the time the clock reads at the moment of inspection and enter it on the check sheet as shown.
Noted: 11:49
